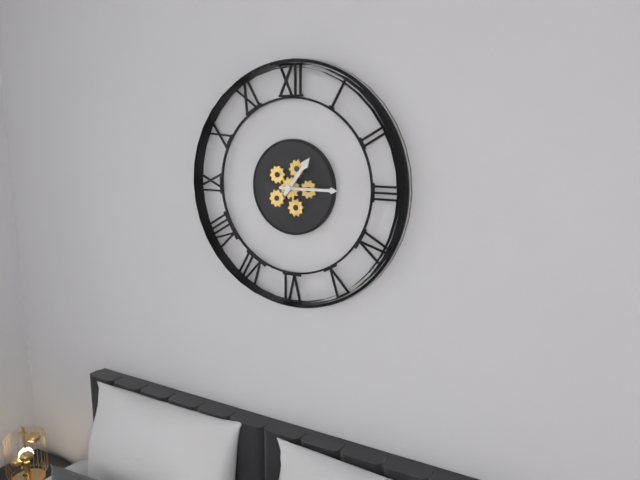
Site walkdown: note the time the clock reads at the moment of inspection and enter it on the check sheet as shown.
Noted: 1:15
